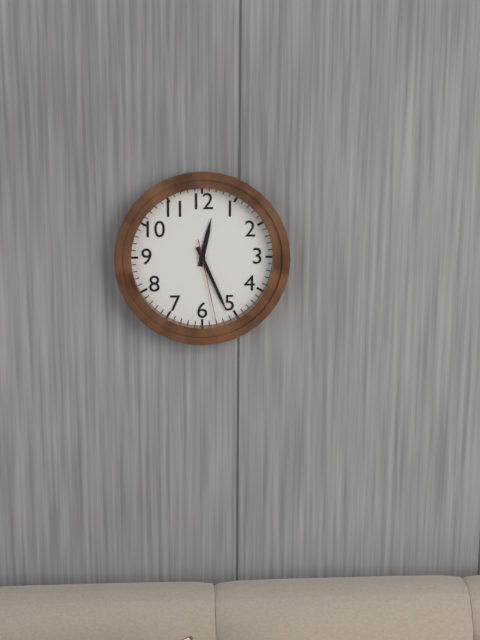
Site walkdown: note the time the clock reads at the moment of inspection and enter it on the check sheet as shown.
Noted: 12:26:28
